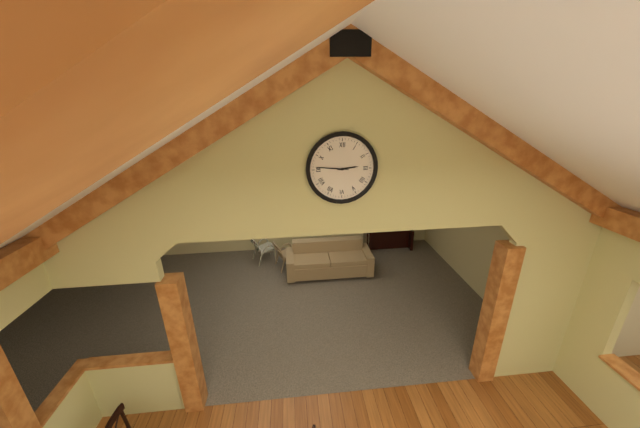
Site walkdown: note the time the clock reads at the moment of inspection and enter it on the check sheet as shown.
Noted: 2:46
